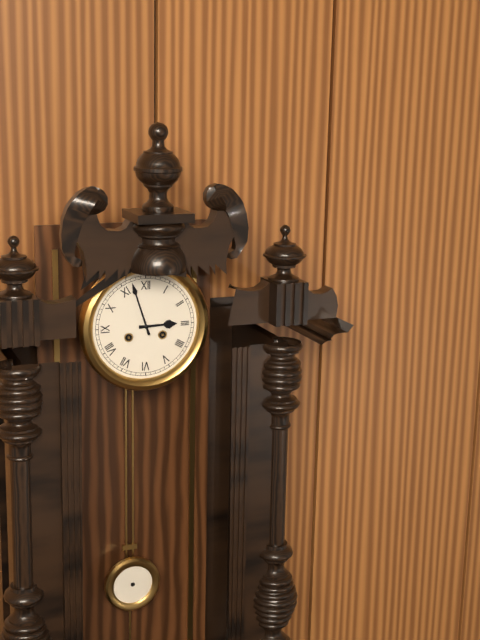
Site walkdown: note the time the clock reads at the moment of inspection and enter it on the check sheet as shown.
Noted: 2:57
